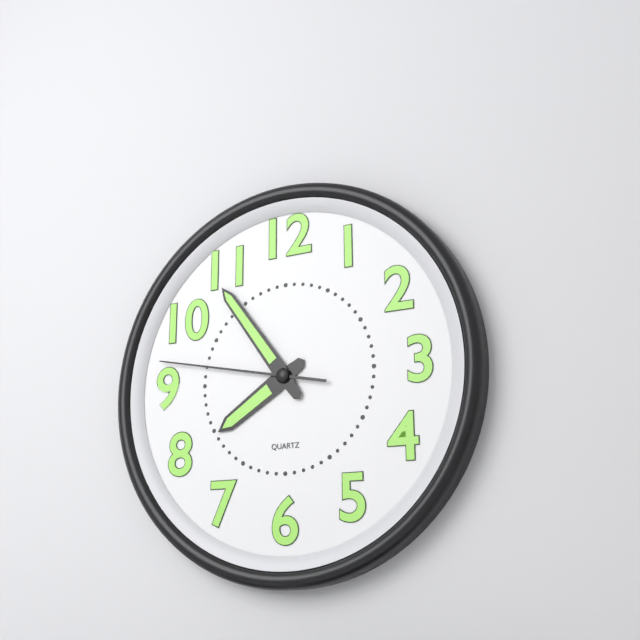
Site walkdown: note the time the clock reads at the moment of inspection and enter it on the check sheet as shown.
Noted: 7:54:47
